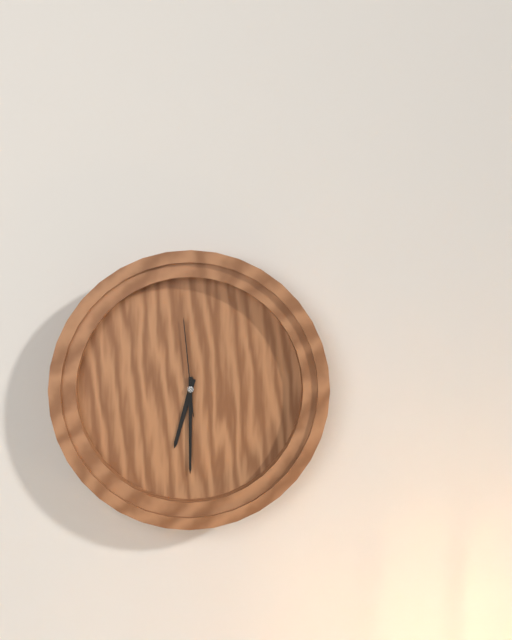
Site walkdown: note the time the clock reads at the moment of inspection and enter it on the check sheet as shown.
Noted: 6:30:59
